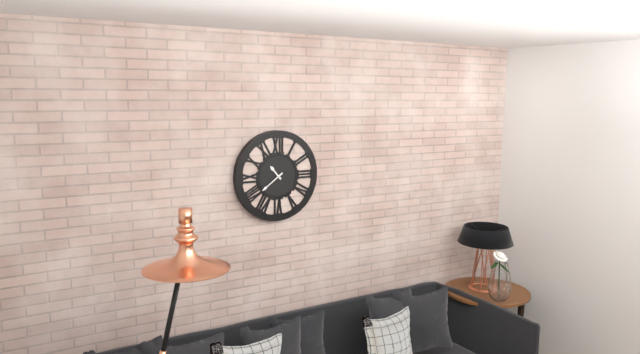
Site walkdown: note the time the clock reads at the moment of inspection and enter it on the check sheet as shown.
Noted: 10:39
